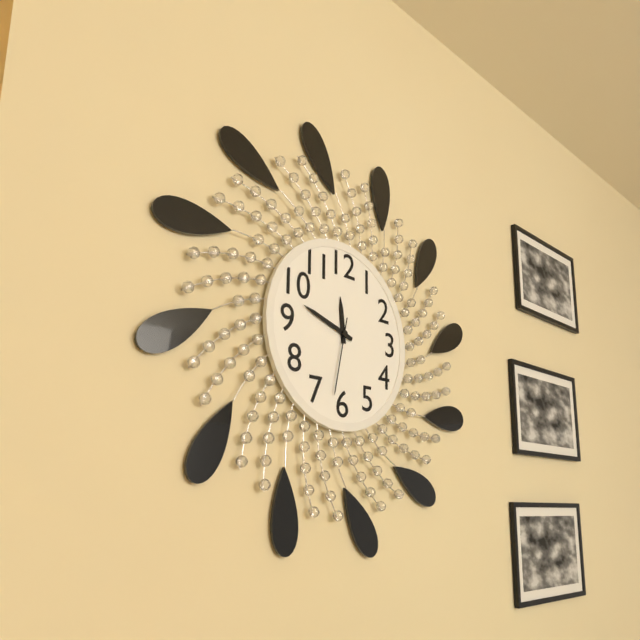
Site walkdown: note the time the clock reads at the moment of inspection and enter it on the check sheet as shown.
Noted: 11:48:32
